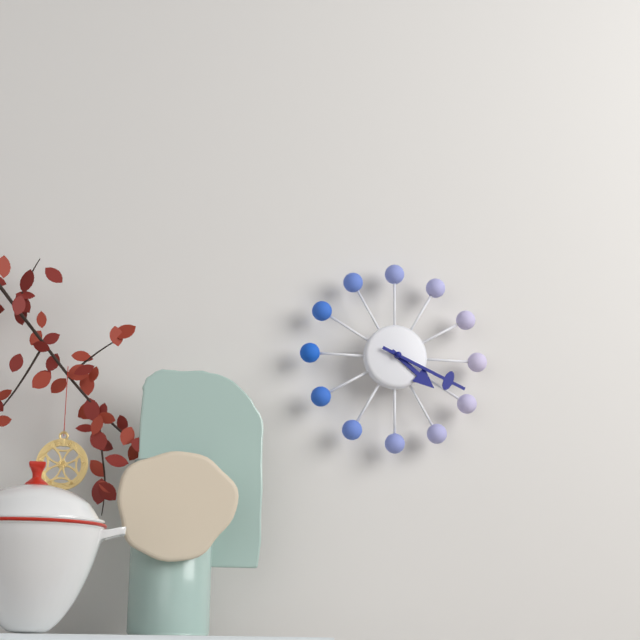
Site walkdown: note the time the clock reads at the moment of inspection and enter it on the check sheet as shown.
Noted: 4:19
